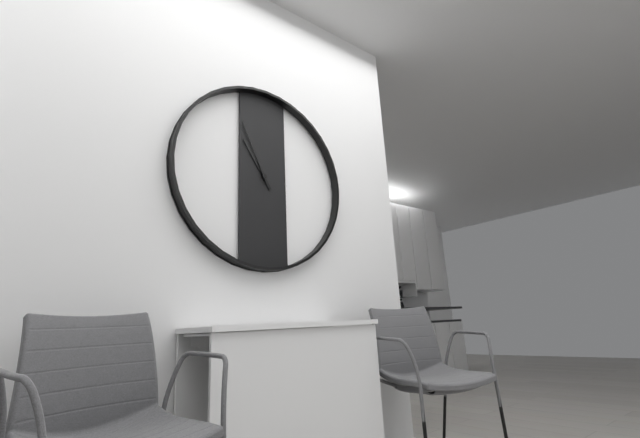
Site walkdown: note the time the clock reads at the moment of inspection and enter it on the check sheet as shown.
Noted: 10:56
